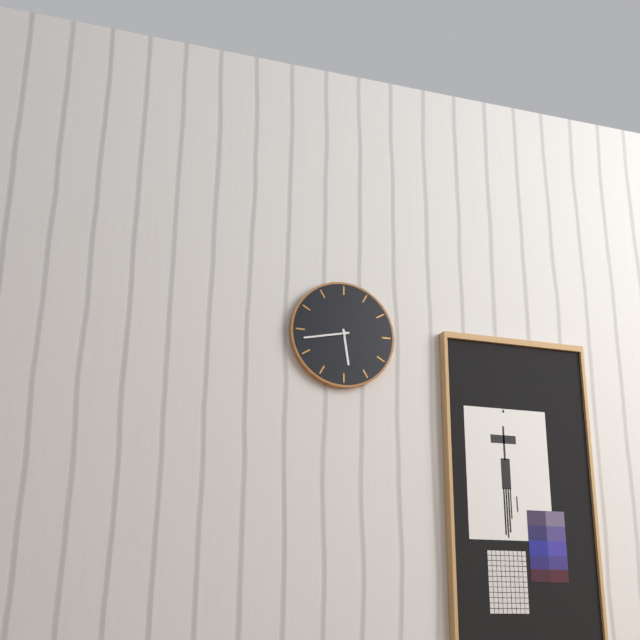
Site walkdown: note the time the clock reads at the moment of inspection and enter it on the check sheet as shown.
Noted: 5:43
